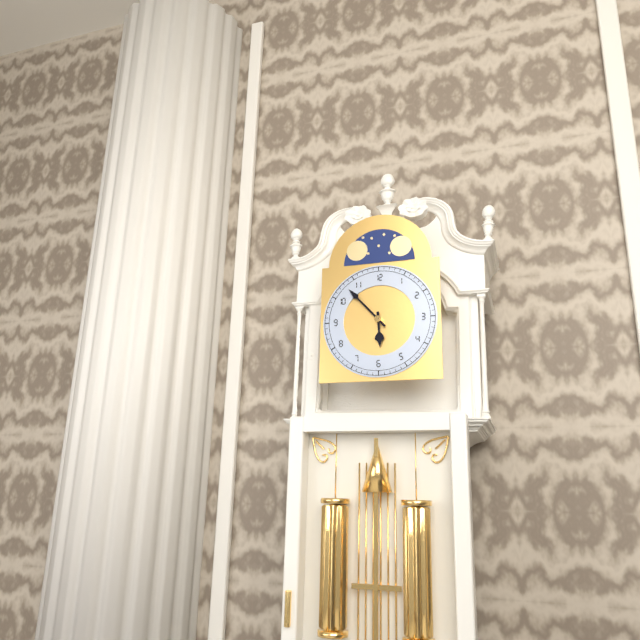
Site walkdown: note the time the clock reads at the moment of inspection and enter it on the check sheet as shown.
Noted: 5:53
